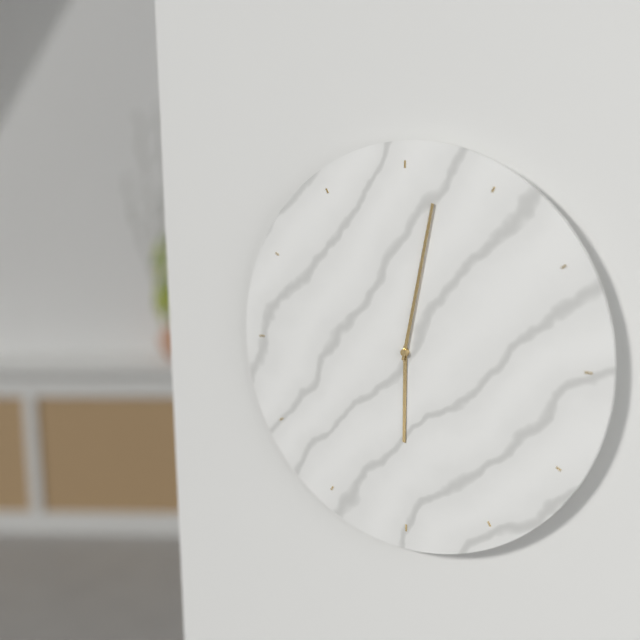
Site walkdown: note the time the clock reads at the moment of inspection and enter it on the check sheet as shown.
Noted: 6:02
